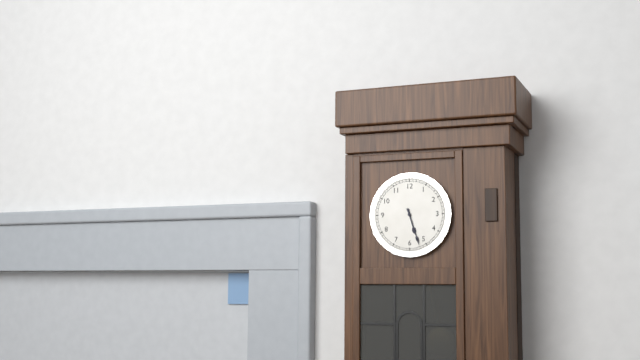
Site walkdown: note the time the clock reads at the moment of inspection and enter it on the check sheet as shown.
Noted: 5:27
